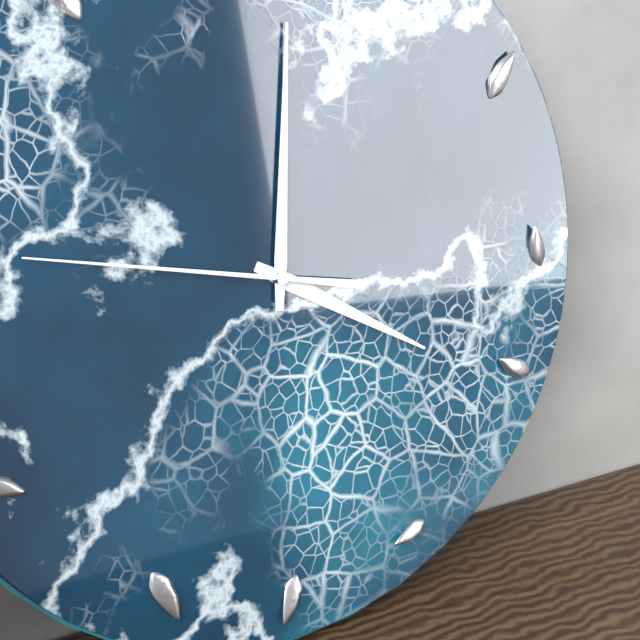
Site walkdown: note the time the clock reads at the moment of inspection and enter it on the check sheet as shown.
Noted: 4:01:47
